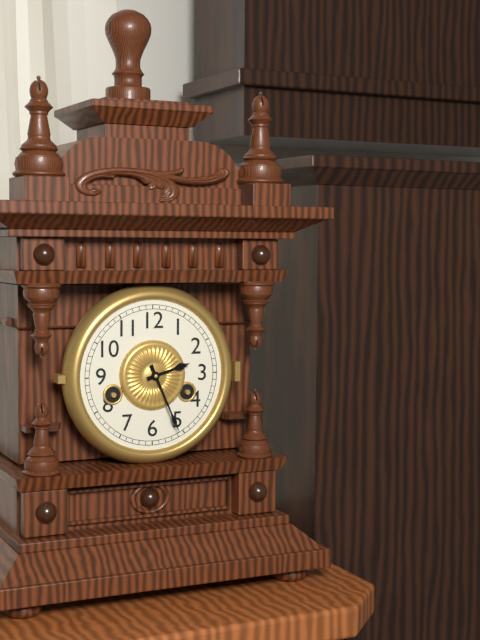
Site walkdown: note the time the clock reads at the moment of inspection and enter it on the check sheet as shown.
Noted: 2:26
